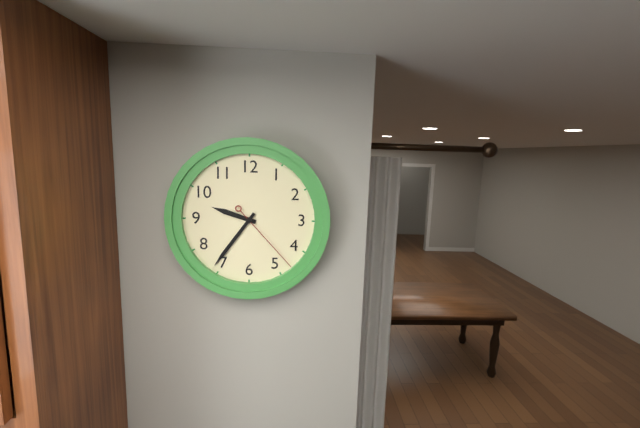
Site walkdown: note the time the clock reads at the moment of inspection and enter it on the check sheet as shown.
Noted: 9:36:23
